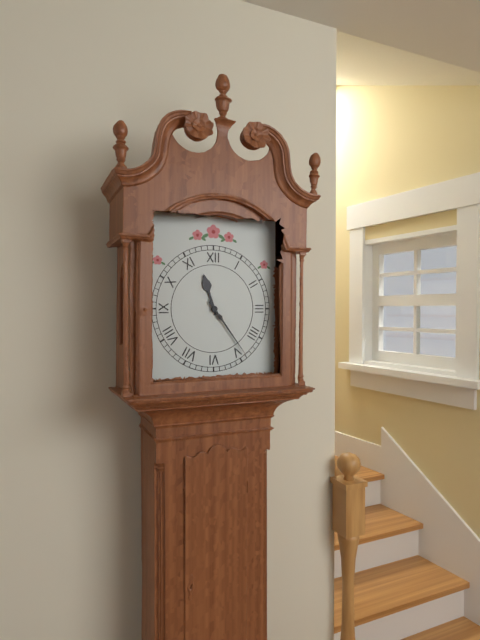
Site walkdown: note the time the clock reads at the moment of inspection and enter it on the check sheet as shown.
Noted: 11:24
